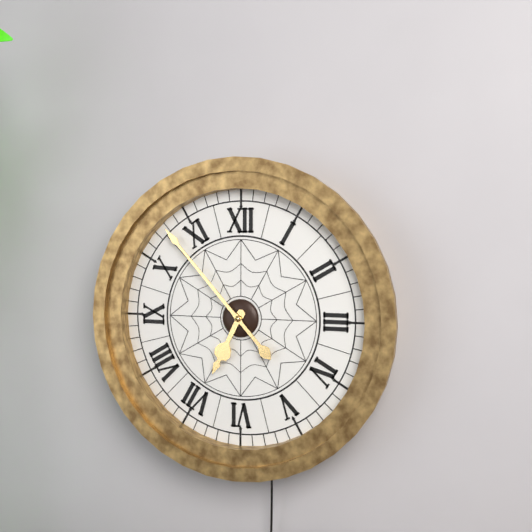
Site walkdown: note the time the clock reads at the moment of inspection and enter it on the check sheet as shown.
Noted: 6:53
